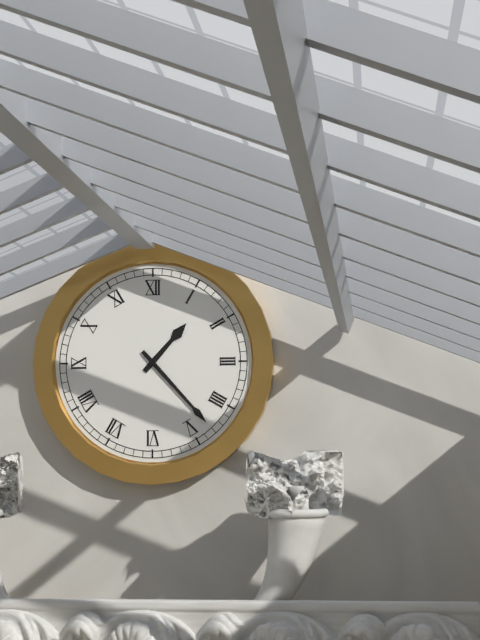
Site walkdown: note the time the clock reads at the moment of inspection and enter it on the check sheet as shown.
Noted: 1:23
